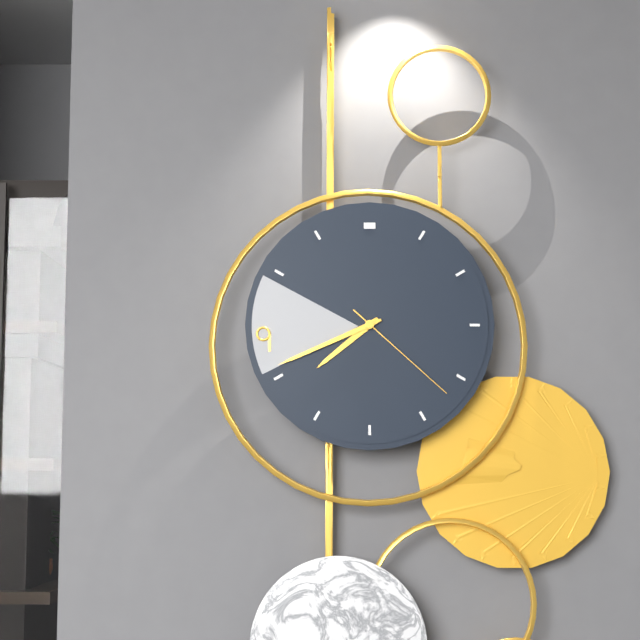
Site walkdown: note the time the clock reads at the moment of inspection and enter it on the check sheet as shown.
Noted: 7:41:22
